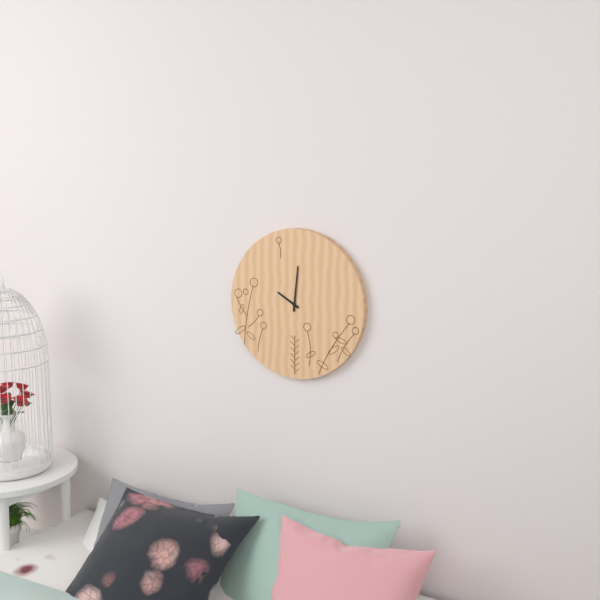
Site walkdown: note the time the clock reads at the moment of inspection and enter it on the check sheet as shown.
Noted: 10:01
